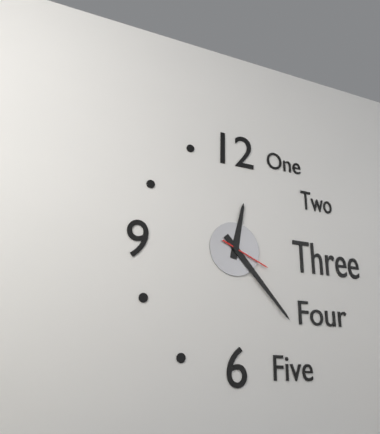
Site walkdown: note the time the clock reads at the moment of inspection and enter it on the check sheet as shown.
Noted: 12:23
